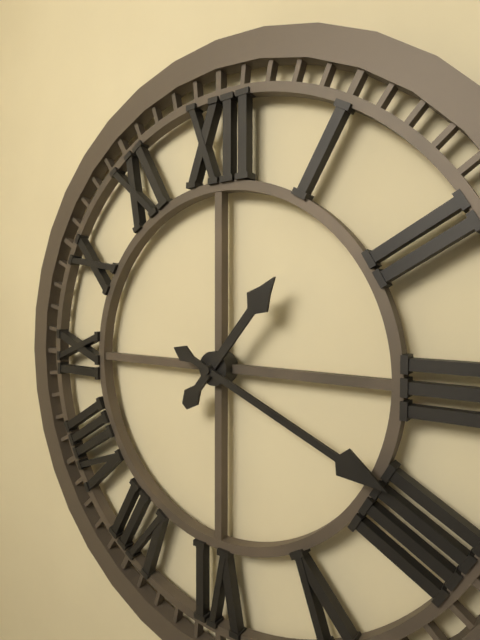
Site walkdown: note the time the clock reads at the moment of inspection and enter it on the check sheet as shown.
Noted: 1:19
